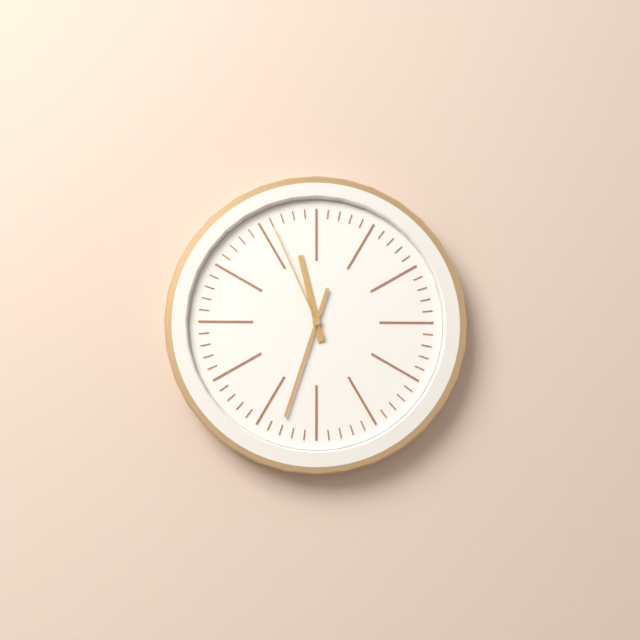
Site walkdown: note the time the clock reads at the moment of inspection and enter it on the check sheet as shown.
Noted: 11:33:56
